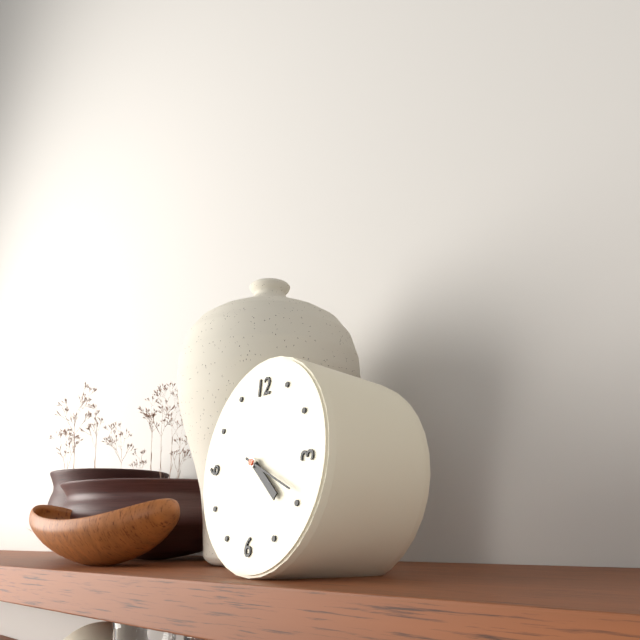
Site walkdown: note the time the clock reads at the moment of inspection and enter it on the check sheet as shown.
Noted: 4:19
